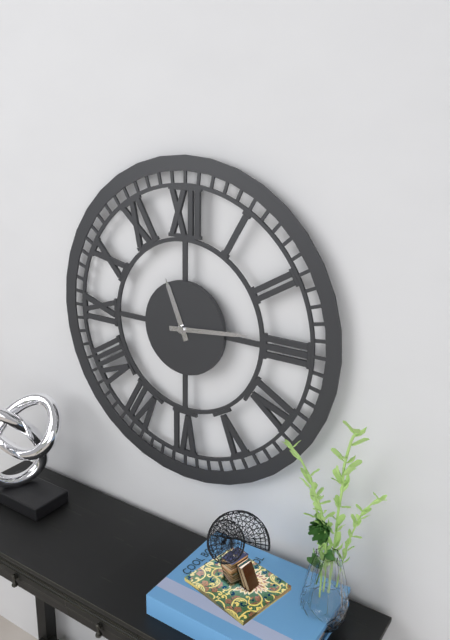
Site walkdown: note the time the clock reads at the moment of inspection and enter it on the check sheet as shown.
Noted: 11:14
